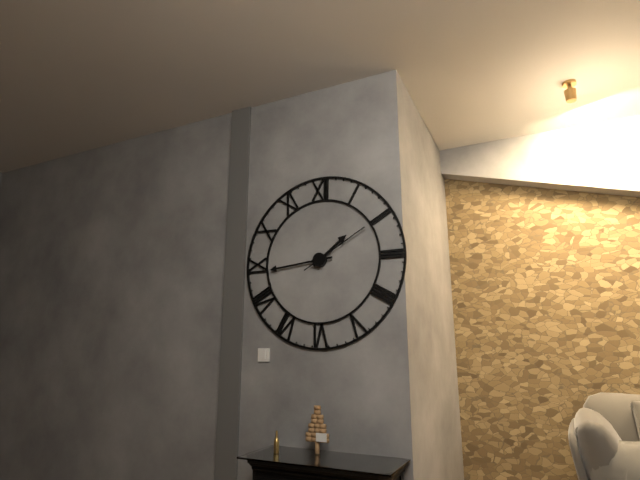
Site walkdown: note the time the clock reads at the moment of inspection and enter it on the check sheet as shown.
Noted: 1:44:10
